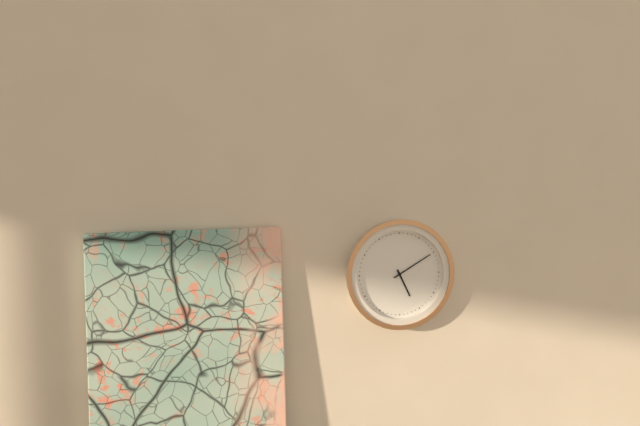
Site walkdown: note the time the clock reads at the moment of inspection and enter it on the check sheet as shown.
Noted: 5:10
